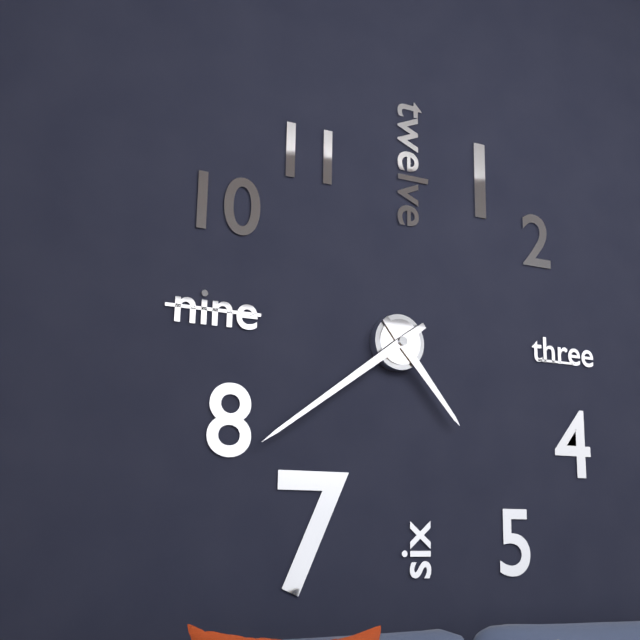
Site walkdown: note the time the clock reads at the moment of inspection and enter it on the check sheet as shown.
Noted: 4:39
